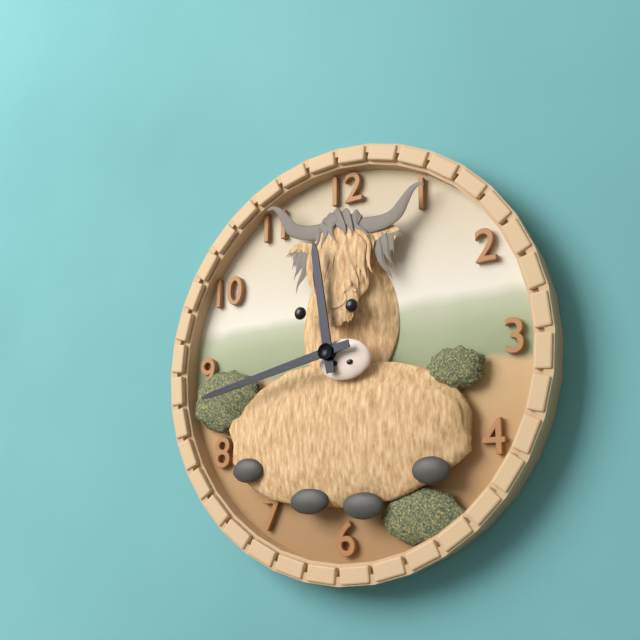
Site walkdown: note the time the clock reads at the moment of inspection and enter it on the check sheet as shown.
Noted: 11:43
